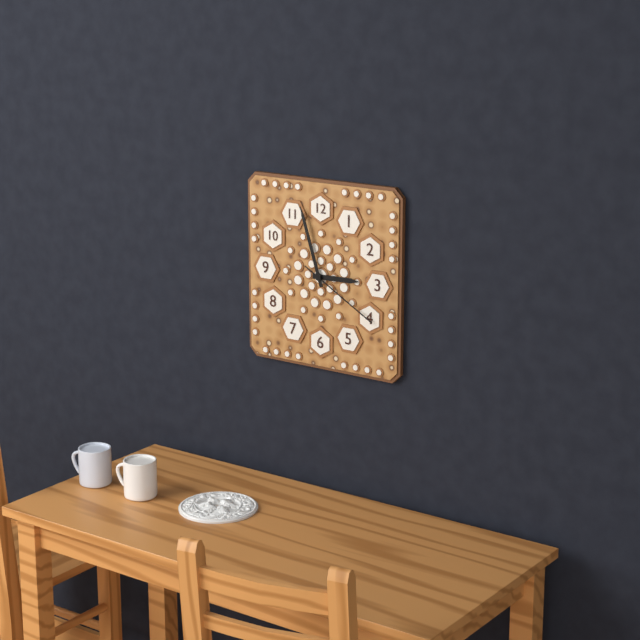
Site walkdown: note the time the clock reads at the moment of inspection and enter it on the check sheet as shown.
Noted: 2:57:20
